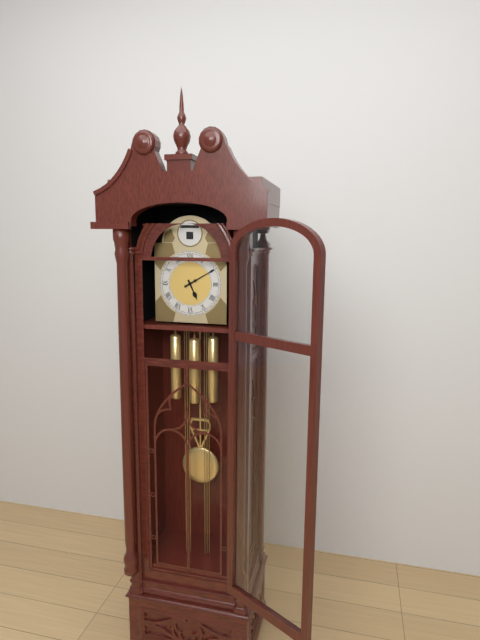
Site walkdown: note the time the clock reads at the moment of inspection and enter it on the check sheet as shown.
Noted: 5:10
